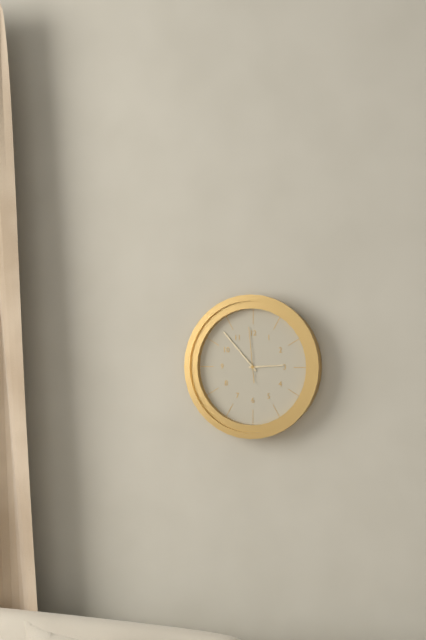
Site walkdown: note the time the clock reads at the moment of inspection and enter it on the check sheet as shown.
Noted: 2:53:59
